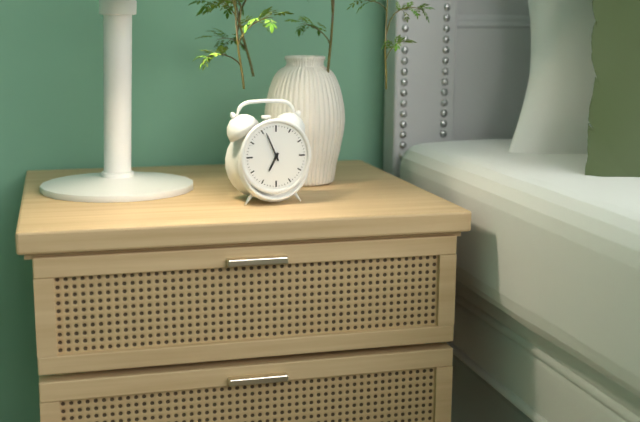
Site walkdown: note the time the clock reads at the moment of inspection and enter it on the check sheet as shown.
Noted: 6:56
